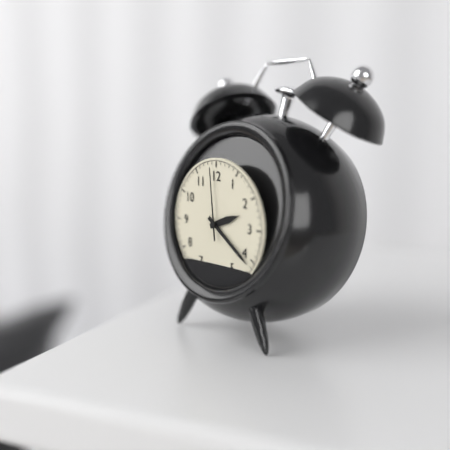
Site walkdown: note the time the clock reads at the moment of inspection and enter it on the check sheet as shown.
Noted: 2:21:59
